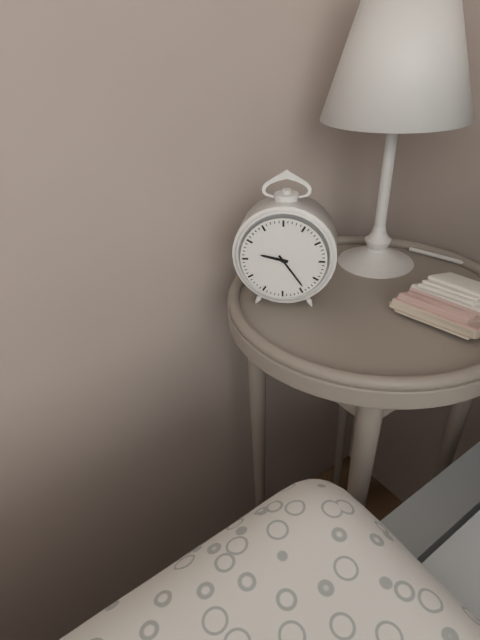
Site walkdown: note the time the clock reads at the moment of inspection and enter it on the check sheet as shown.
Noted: 9:24
